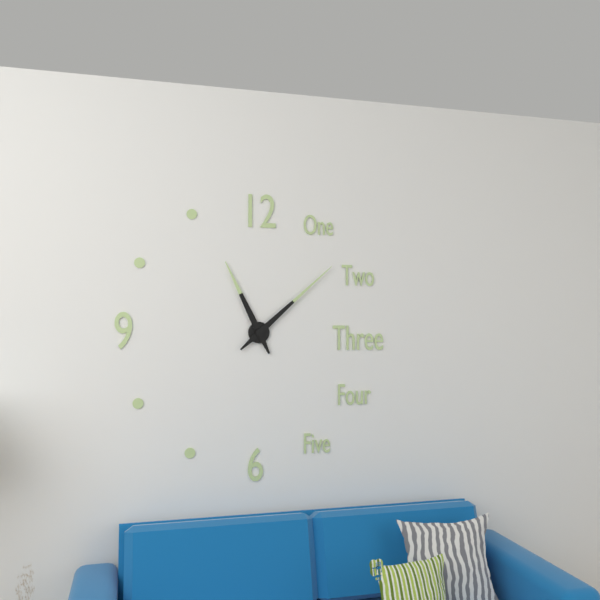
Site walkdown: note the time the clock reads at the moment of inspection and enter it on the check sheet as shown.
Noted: 11:08
